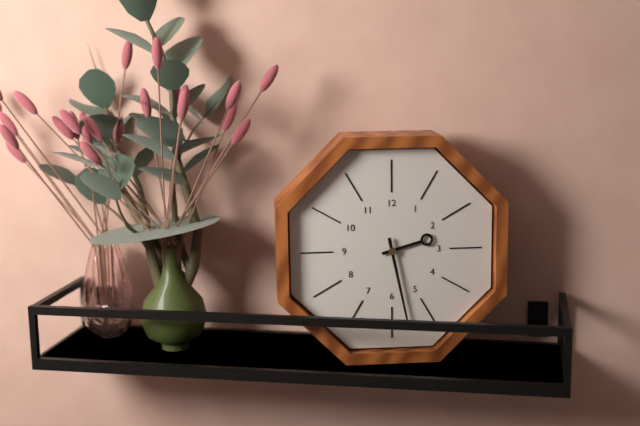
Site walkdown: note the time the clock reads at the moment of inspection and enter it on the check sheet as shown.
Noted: 2:28
